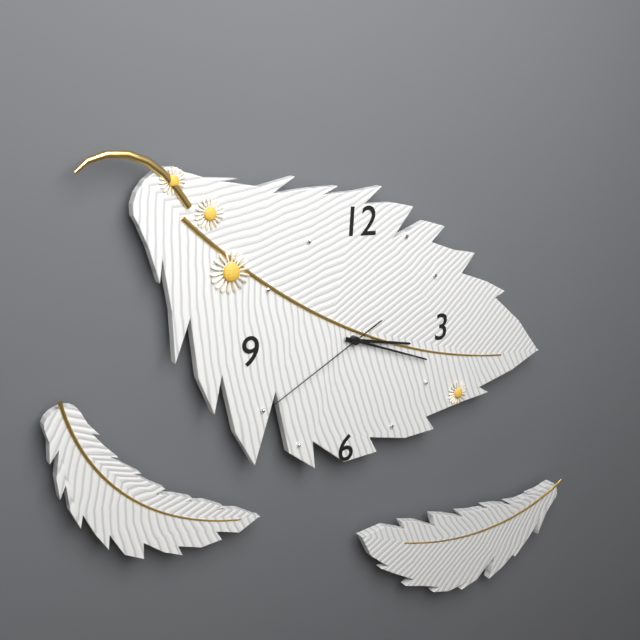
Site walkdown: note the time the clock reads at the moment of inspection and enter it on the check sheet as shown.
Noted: 3:18:40
